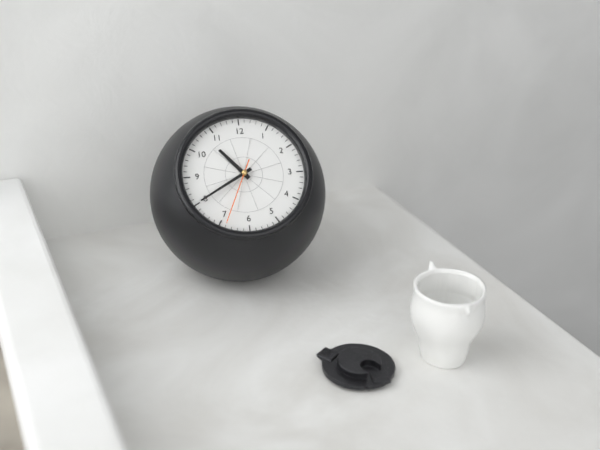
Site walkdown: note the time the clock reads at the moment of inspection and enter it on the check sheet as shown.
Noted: 10:40:34
